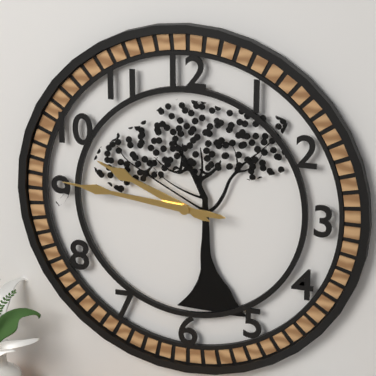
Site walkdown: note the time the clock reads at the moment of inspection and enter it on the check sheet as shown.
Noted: 9:46
